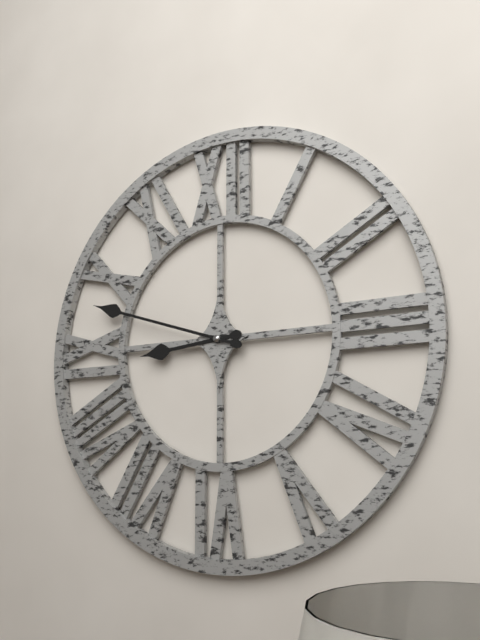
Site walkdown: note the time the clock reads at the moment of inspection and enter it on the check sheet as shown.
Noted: 8:48
